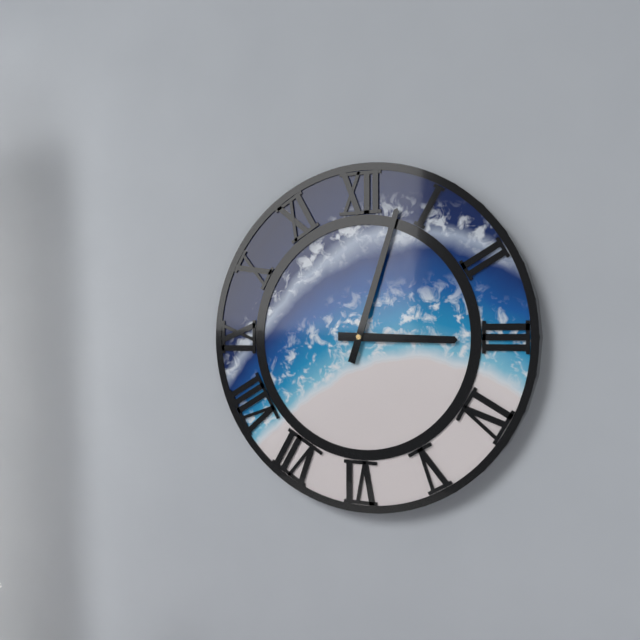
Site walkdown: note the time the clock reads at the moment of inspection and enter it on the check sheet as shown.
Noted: 3:03
